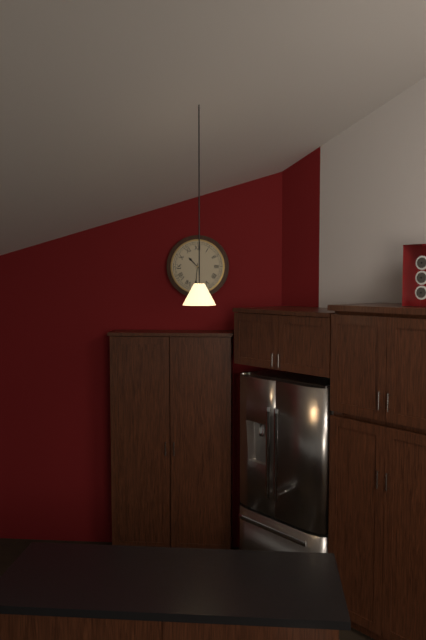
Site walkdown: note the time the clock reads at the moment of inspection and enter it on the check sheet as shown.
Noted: 10:31
